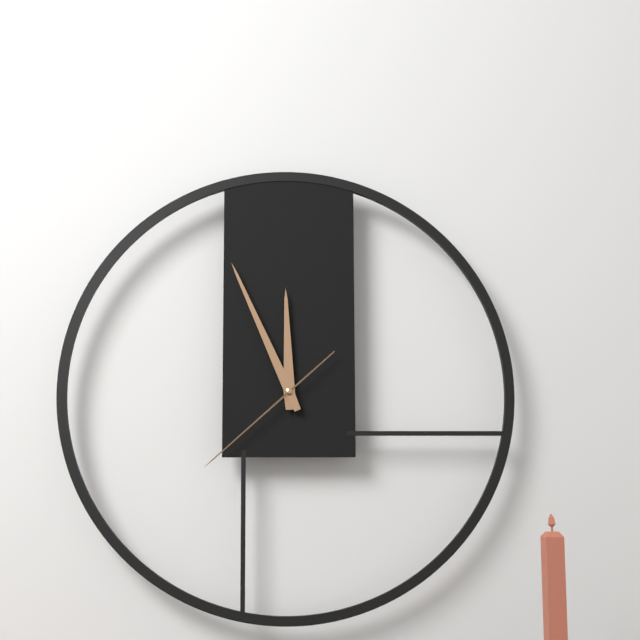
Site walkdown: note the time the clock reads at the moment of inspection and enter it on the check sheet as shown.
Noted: 11:56:38
